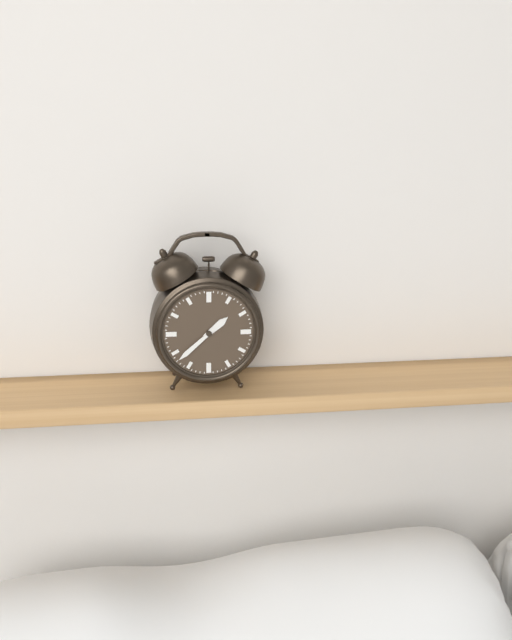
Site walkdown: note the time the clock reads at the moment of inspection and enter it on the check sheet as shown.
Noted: 1:38
